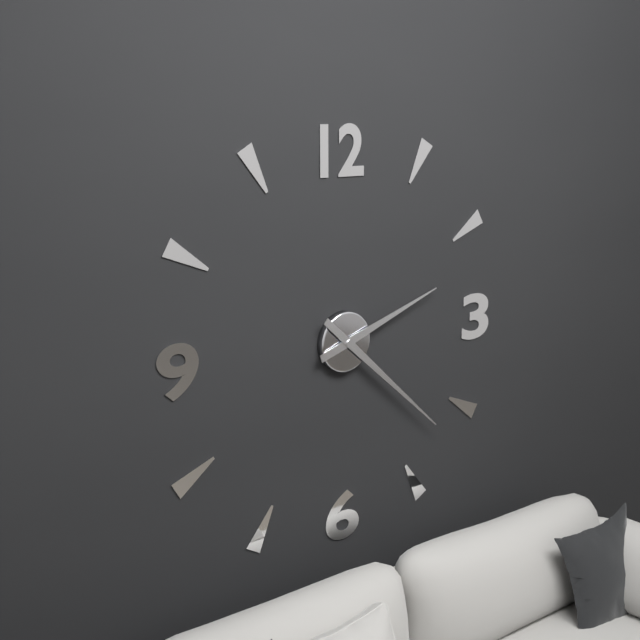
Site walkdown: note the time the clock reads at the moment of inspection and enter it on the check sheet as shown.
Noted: 2:22
